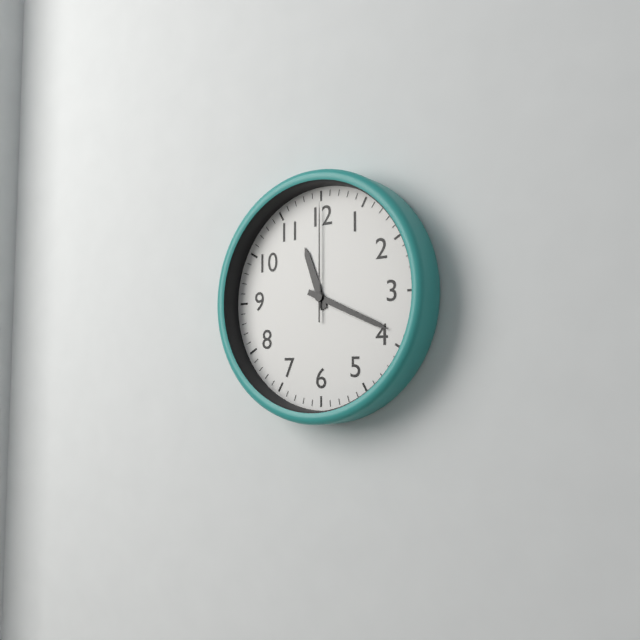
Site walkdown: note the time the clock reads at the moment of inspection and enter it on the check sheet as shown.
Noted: 11:19:00
